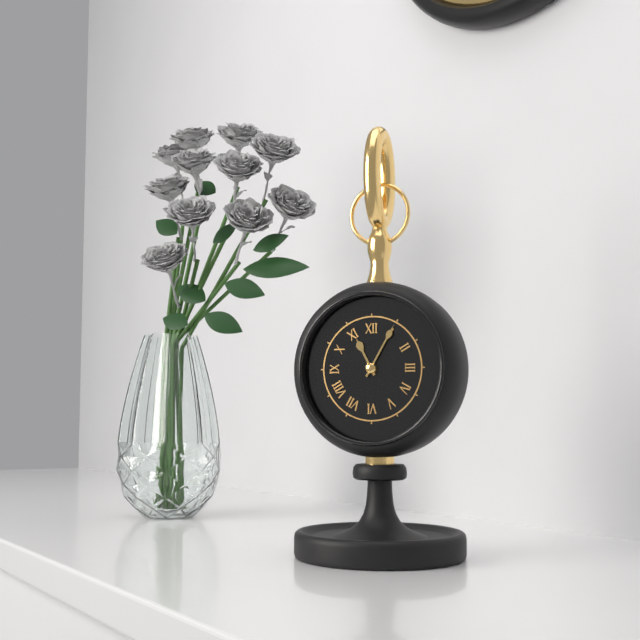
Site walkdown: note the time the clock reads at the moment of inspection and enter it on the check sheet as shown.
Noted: 11:05
